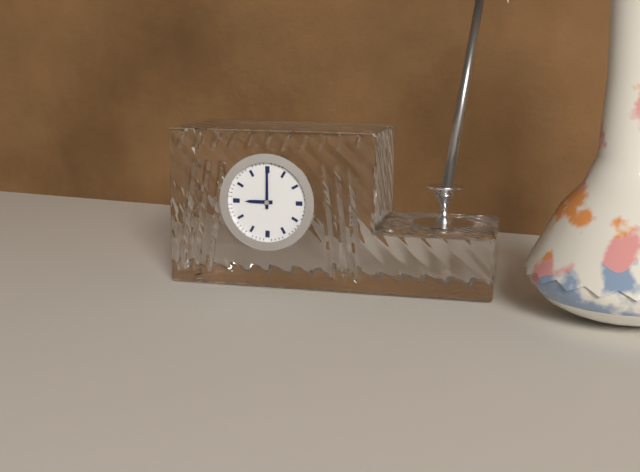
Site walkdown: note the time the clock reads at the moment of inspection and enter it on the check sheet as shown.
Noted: 9:00
